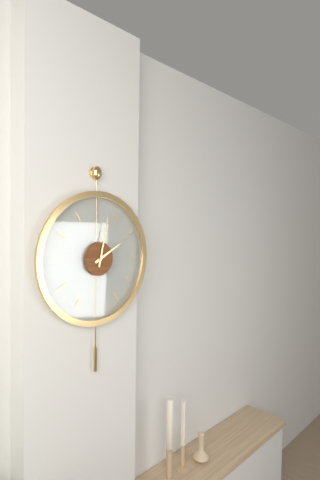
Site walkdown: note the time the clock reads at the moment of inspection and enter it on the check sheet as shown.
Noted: 2:02
